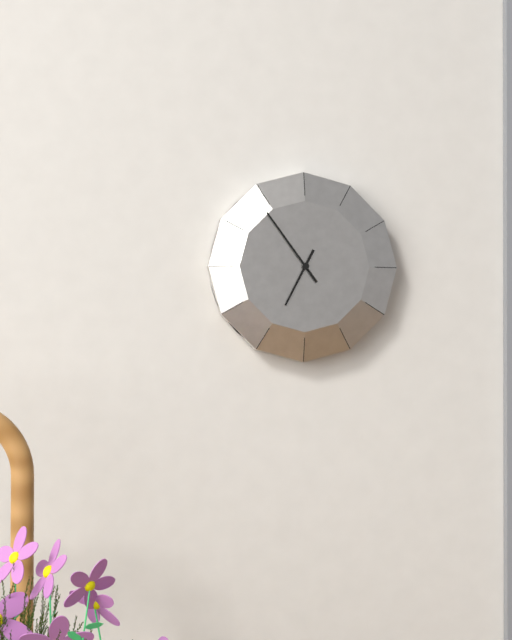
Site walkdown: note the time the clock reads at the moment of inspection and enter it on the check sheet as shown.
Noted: 6:54
